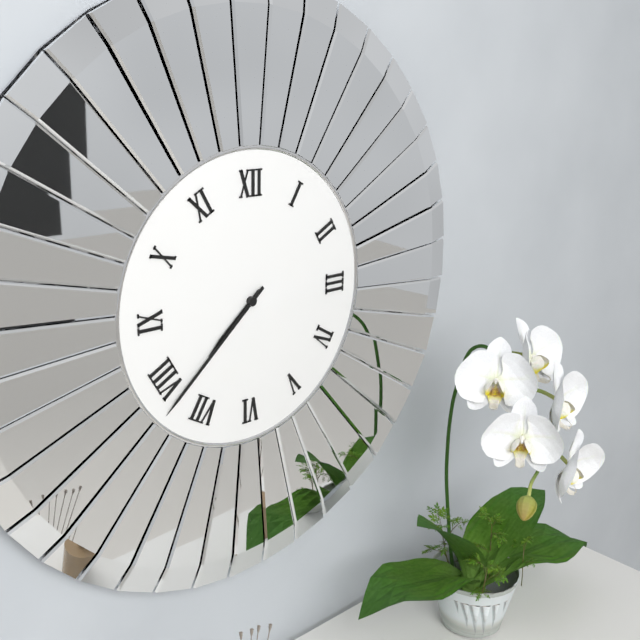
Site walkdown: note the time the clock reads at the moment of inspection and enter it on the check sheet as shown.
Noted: 7:38
